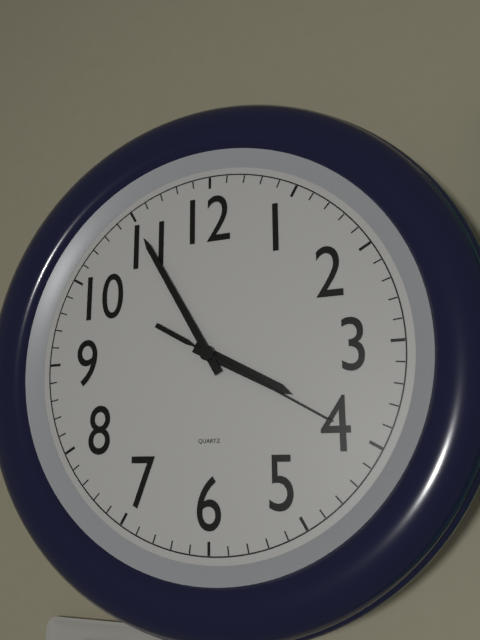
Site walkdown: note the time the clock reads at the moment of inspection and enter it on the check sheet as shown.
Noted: 3:55:20
